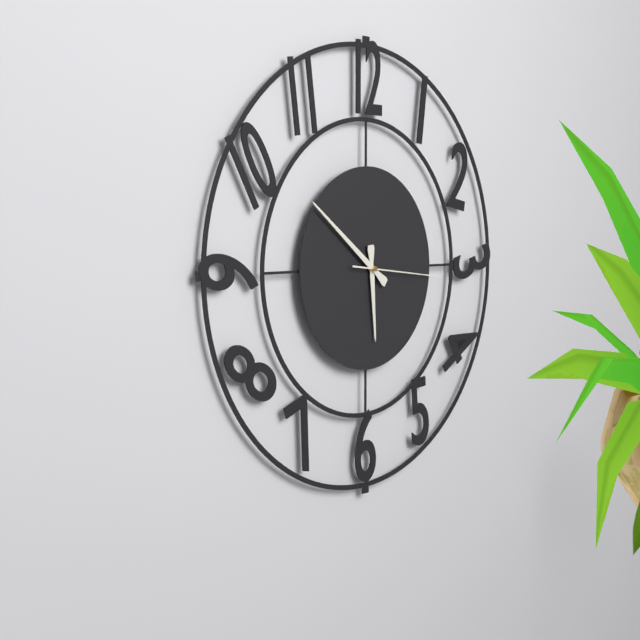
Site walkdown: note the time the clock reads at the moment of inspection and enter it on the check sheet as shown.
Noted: 5:51:16
